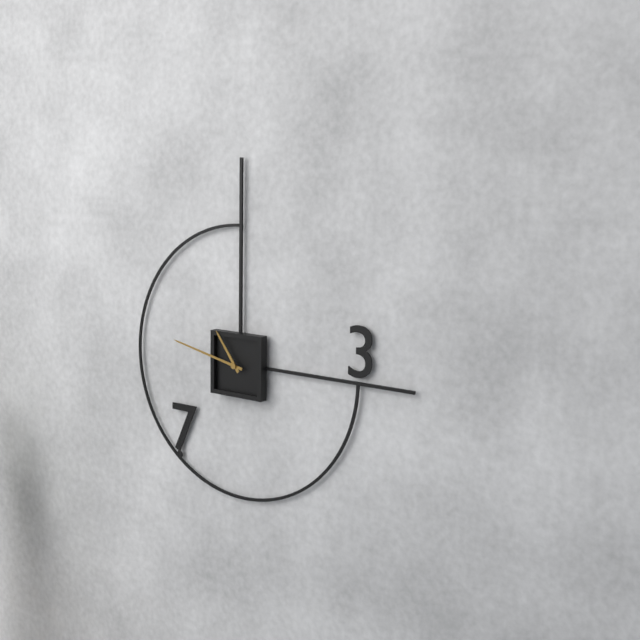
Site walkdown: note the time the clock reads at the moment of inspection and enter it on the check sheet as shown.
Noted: 10:47
